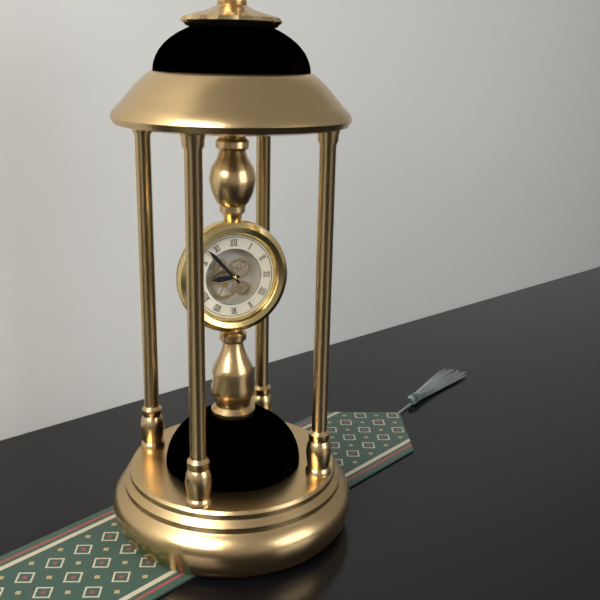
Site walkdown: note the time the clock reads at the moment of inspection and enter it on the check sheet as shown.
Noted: 8:53
